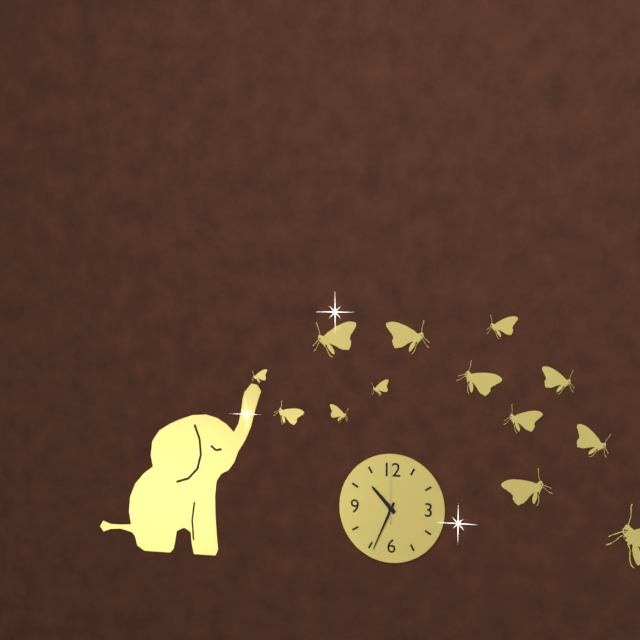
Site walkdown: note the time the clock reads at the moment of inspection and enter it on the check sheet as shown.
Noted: 10:34:00
